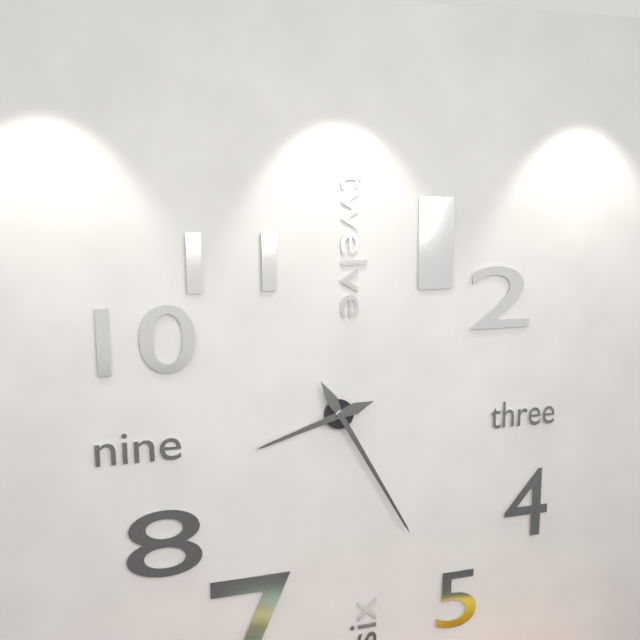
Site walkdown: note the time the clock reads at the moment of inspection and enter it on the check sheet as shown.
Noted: 8:25
